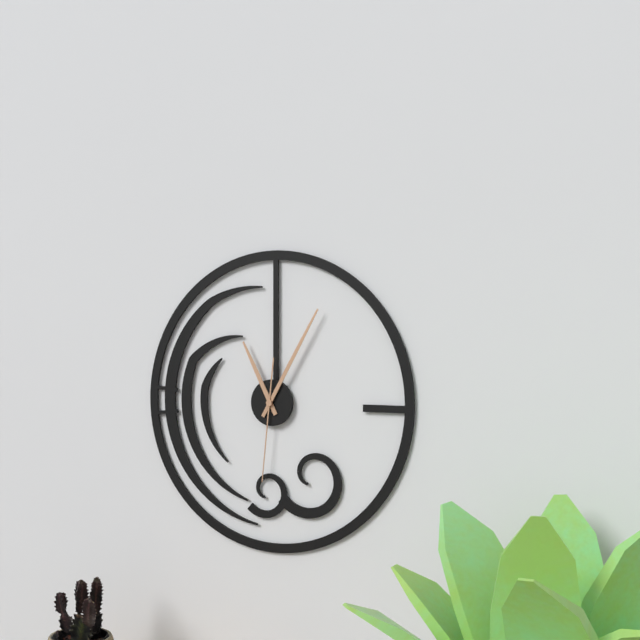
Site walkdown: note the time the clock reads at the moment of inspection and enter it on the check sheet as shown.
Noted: 11:05:31
